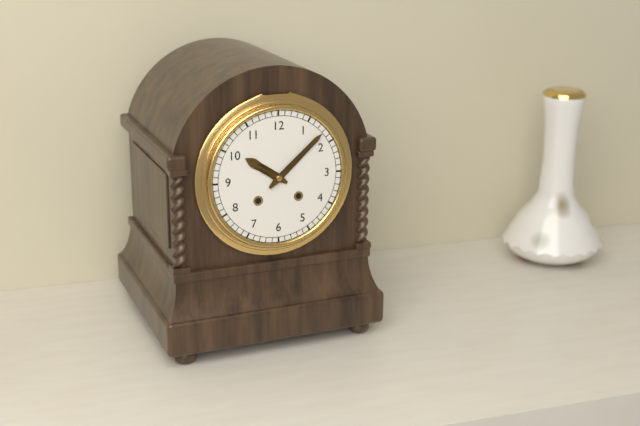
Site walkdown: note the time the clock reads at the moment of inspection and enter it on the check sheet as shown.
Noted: 10:08
